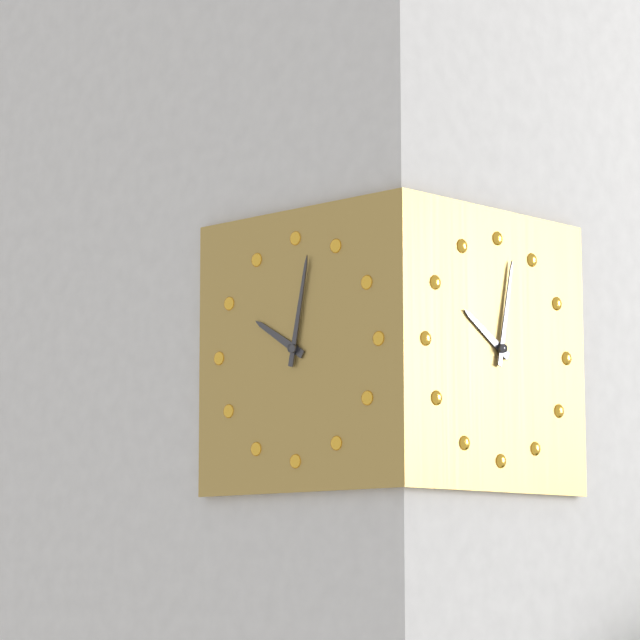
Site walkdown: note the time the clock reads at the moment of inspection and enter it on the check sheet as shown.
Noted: 10:02
